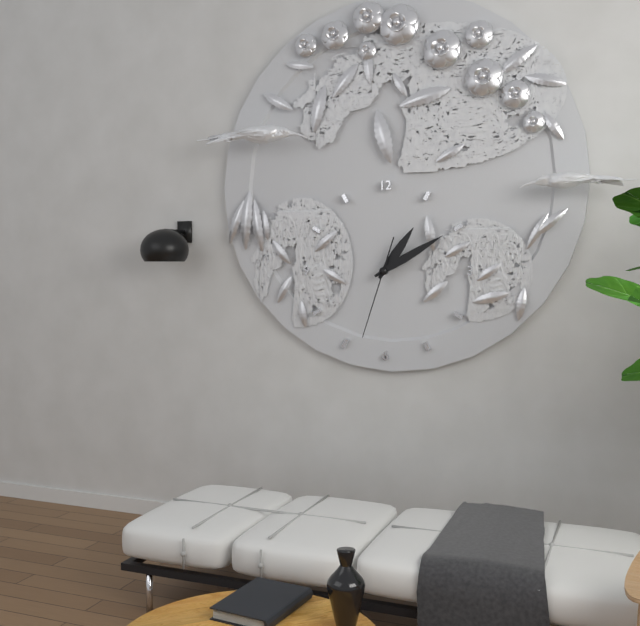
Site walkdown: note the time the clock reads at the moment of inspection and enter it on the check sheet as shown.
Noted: 1:10:33
